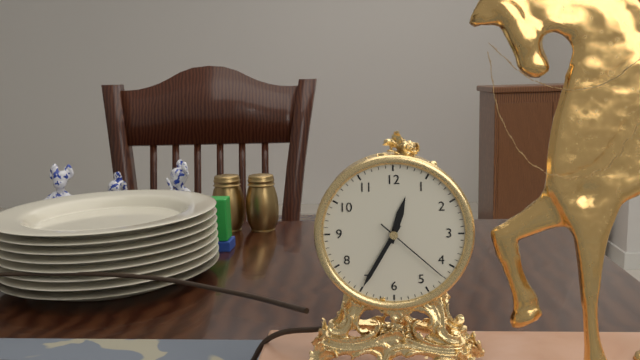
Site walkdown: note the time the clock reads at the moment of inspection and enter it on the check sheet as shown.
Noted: 12:35:22
